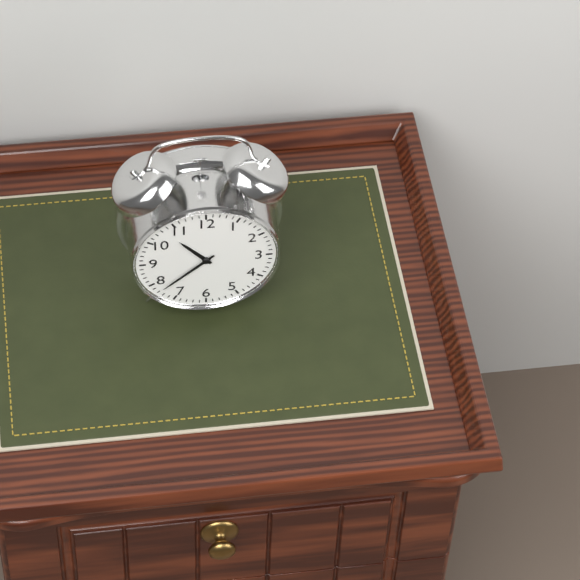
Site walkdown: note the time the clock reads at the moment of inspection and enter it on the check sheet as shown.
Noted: 10:38
